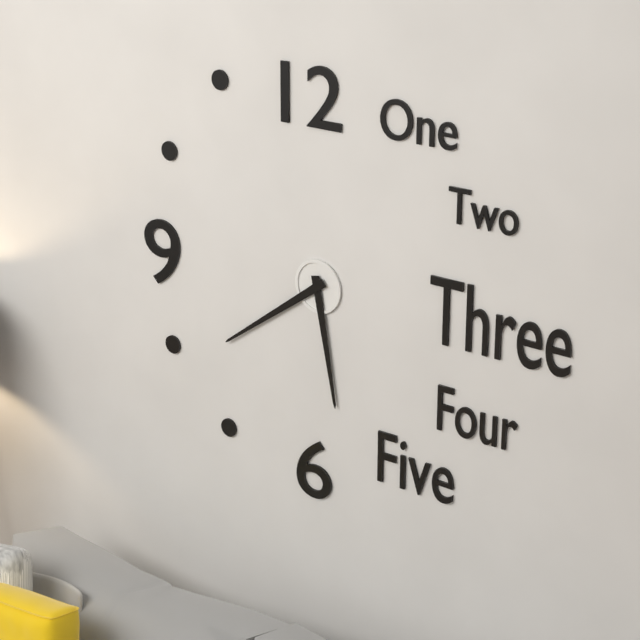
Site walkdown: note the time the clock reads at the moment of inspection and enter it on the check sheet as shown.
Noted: 5:39
